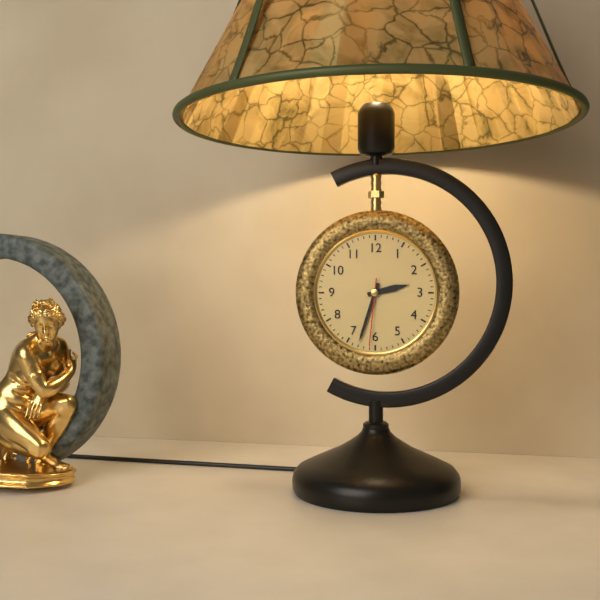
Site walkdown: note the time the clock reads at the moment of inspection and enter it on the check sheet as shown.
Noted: 2:33:31
